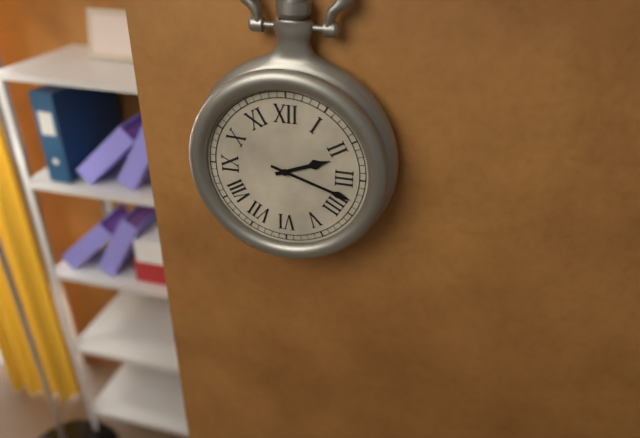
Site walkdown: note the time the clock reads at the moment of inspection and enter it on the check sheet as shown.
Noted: 2:18
